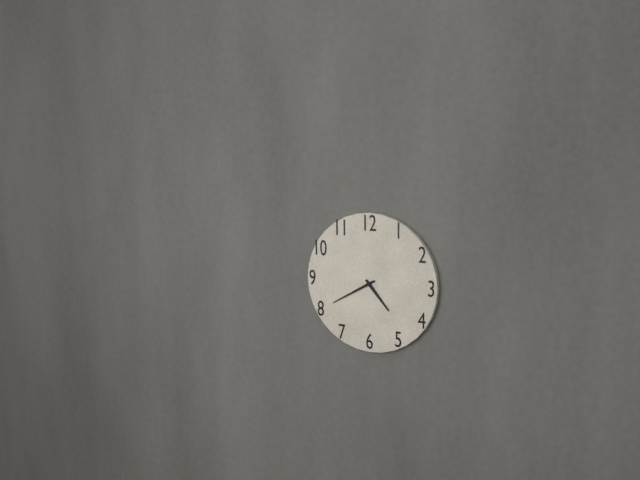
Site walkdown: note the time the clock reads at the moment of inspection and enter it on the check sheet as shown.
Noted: 4:40
